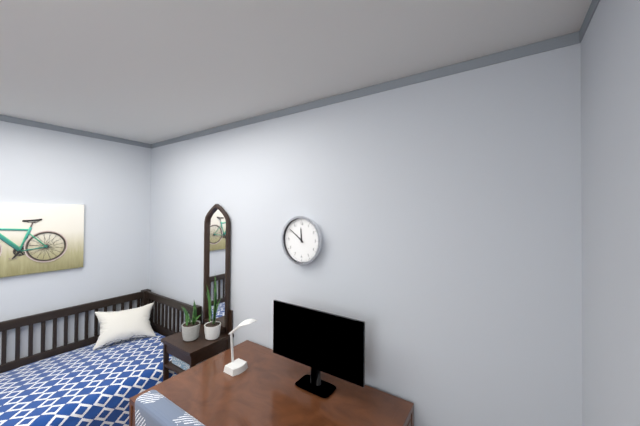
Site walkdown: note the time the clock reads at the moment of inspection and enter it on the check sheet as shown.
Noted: 11:51
